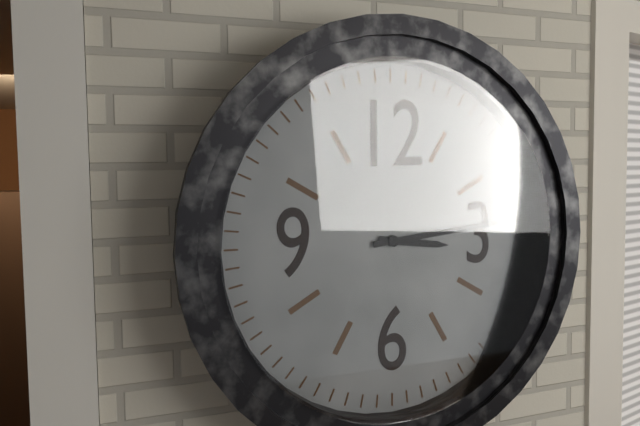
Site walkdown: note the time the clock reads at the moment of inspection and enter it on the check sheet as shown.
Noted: 3:14
